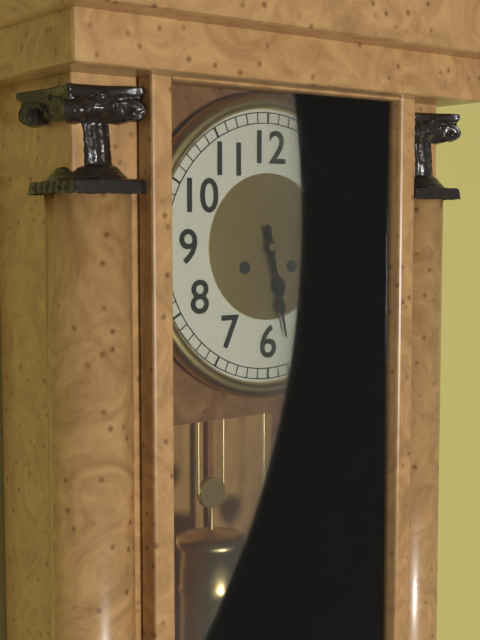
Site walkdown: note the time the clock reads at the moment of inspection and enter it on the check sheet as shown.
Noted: 5:28
